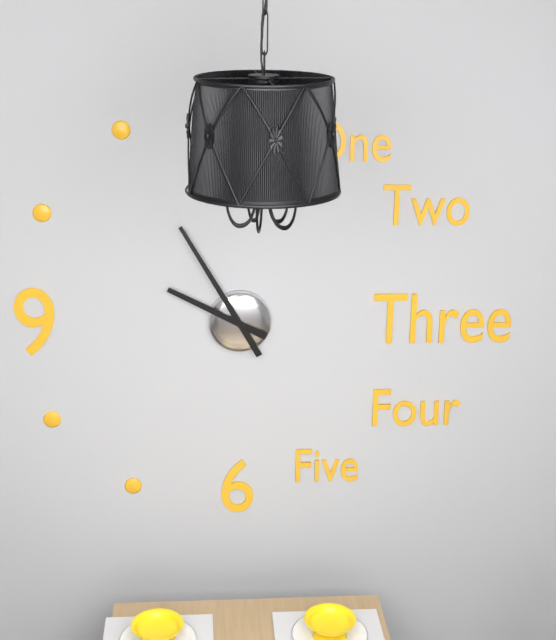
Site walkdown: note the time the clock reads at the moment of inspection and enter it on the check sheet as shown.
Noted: 9:55
